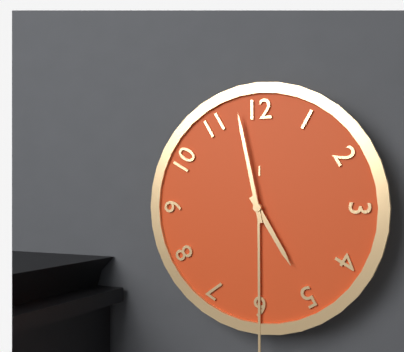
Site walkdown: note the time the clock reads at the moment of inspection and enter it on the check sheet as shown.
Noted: 4:58
